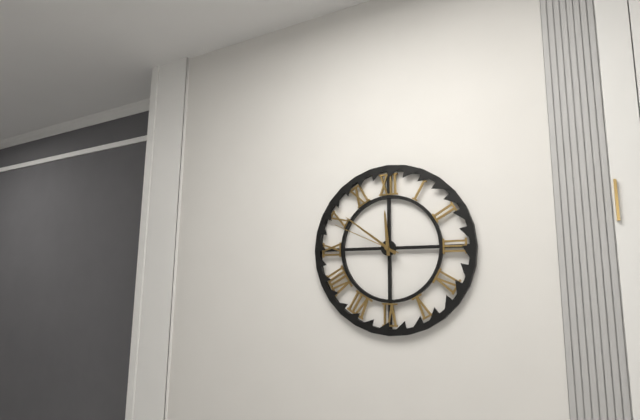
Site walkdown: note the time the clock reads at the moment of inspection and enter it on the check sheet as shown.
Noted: 11:51:49
